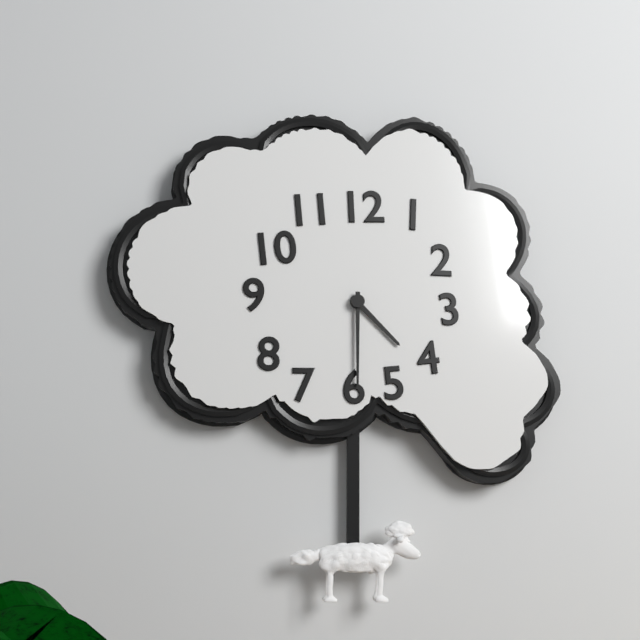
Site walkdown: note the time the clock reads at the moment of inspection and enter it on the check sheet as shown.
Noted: 4:30
